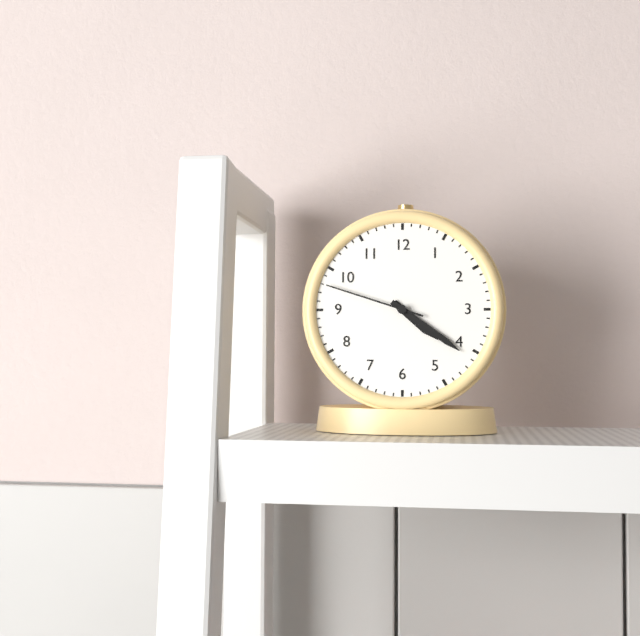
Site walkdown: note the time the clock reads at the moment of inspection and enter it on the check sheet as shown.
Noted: 4:21:48
